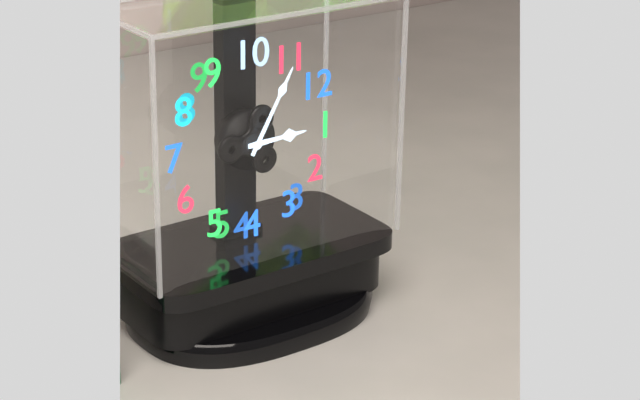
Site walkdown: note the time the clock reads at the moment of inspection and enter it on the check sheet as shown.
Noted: 12:55
